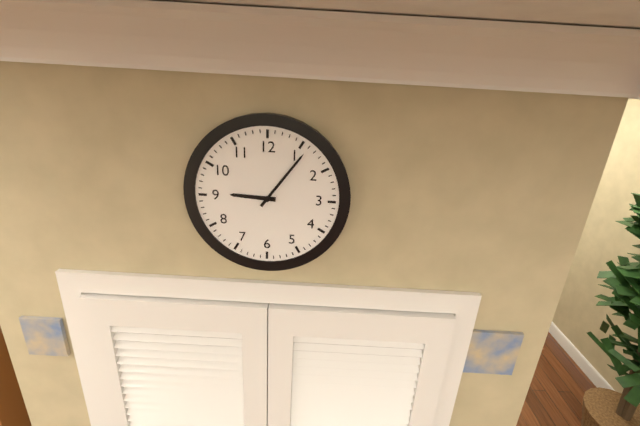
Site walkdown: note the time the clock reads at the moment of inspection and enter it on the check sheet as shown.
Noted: 9:06
